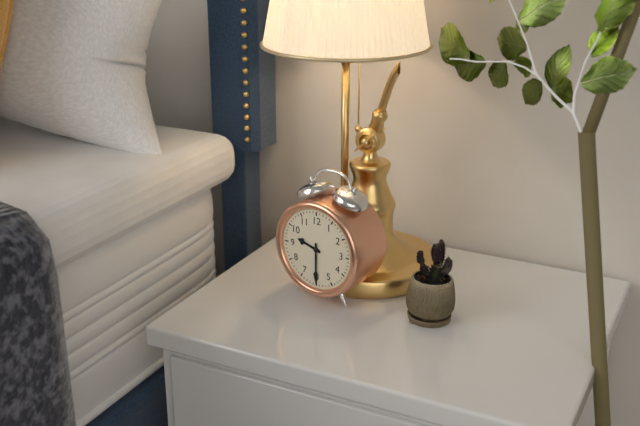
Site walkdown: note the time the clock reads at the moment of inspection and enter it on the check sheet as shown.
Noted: 9:30
